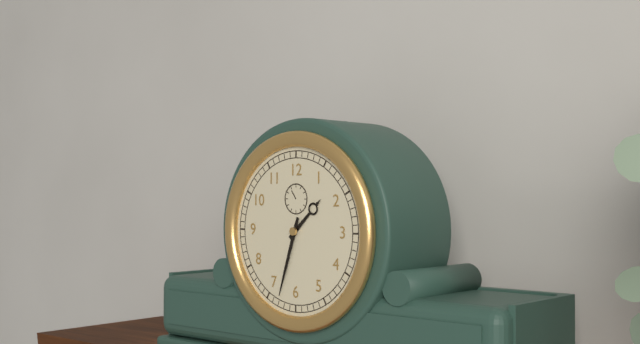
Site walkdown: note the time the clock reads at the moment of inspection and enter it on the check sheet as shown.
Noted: 1:33
